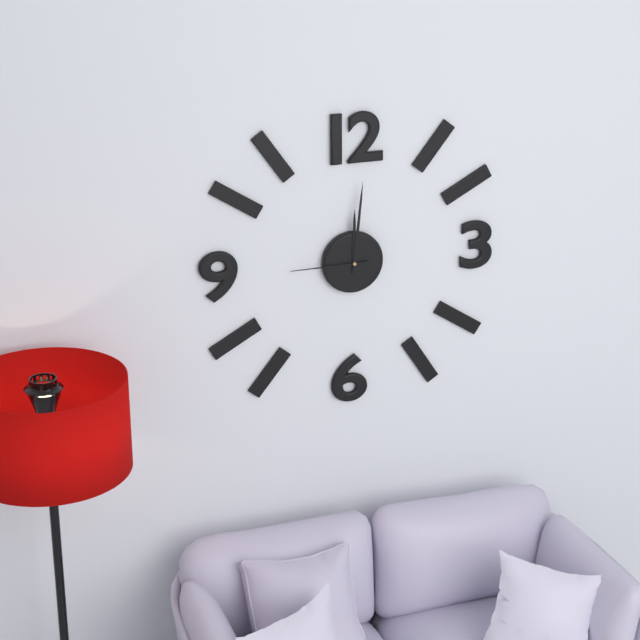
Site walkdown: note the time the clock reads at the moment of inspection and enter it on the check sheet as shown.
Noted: 12:01:45
